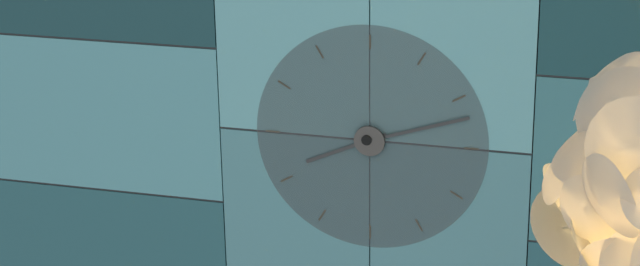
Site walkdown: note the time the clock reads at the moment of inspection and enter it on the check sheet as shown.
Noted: 8:12
